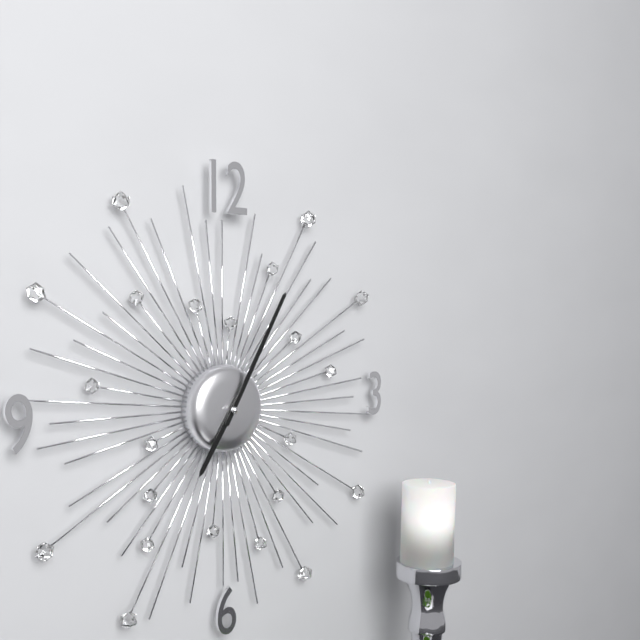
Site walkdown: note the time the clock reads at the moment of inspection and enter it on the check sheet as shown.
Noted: 7:05
